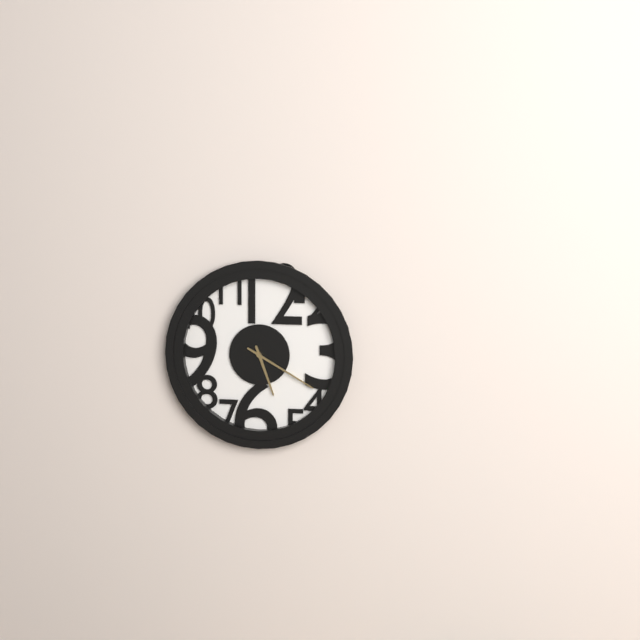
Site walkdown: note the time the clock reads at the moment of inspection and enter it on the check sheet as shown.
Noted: 5:20
